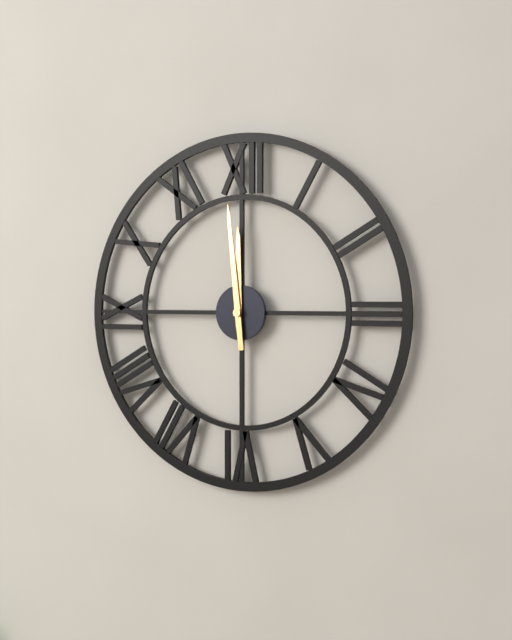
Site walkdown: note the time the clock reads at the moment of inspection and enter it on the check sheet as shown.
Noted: 11:59
